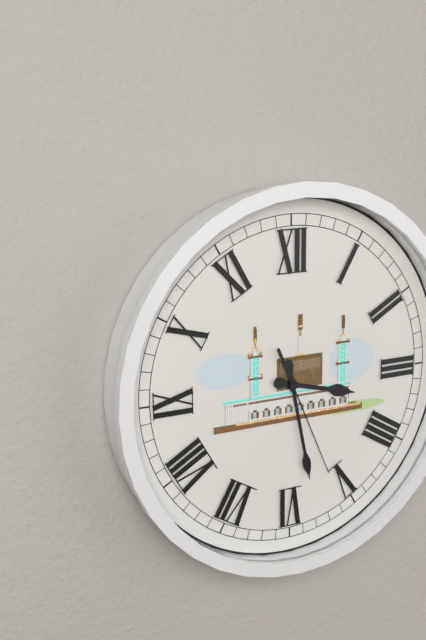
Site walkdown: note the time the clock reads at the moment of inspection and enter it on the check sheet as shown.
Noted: 3:28:26
